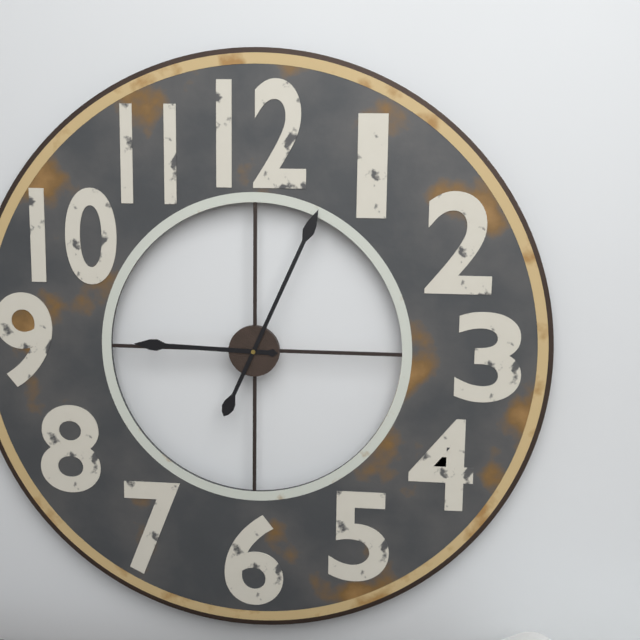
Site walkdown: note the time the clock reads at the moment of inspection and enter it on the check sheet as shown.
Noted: 9:04
